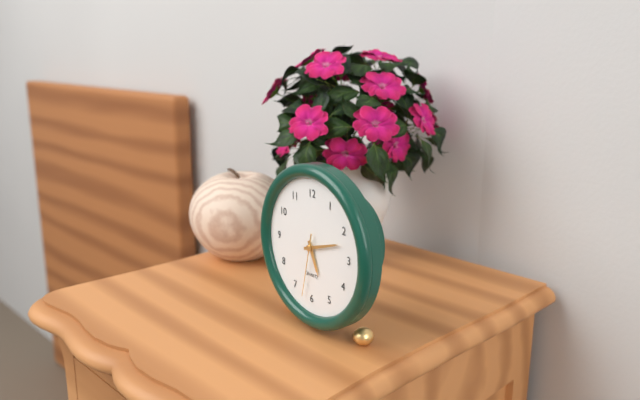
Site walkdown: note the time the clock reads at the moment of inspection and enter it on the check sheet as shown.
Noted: 5:12:32
